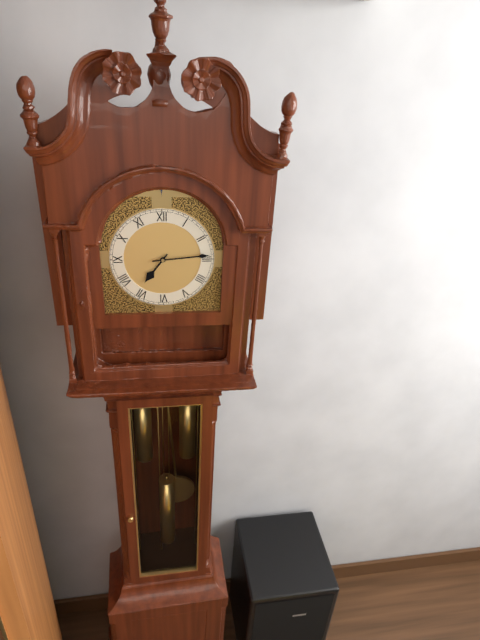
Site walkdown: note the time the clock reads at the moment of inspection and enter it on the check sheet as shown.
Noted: 7:14
